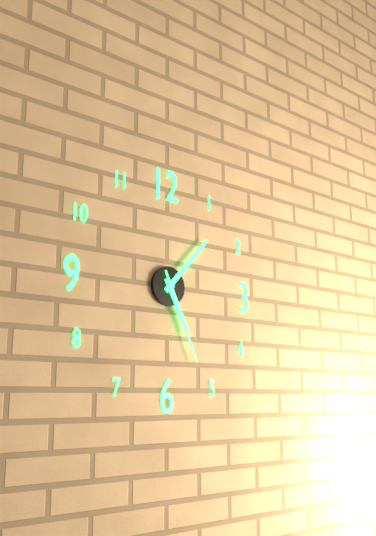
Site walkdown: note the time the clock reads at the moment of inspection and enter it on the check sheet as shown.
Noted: 5:07:26
